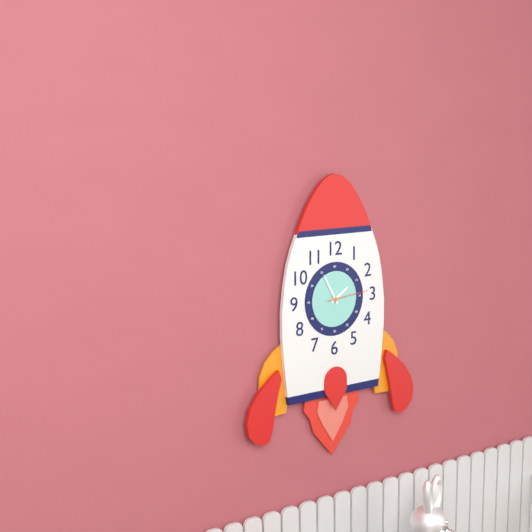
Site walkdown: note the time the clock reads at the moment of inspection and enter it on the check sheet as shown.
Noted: 1:55
